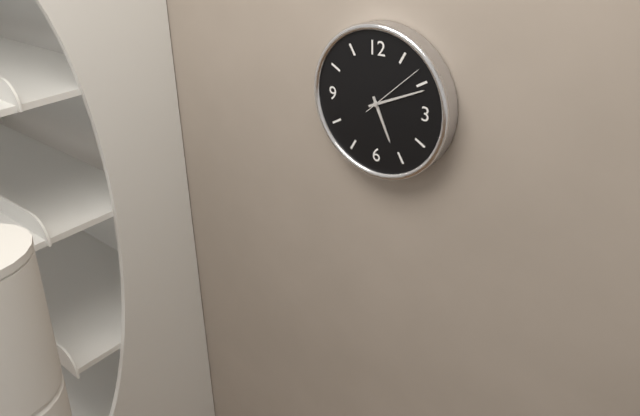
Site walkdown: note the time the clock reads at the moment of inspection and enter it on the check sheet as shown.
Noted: 5:11:08
